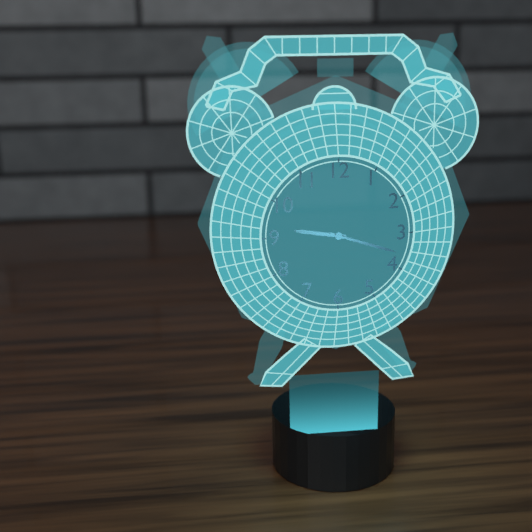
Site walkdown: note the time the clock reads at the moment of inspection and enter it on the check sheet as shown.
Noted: 9:18
